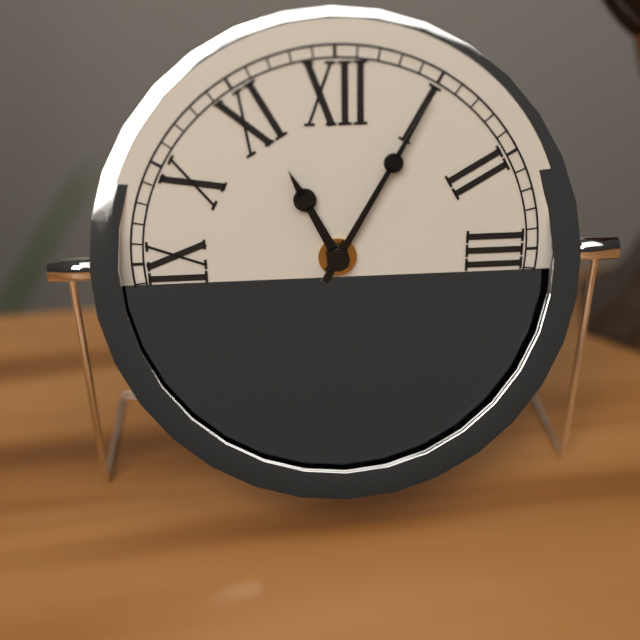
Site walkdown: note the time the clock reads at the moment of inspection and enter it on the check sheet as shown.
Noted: 11:05
